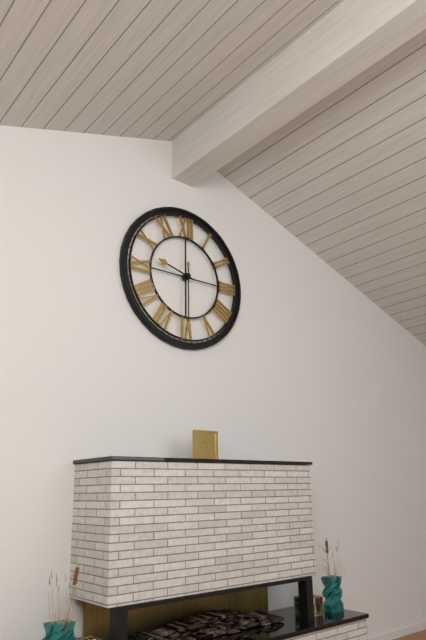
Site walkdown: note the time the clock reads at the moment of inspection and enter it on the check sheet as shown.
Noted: 9:30
